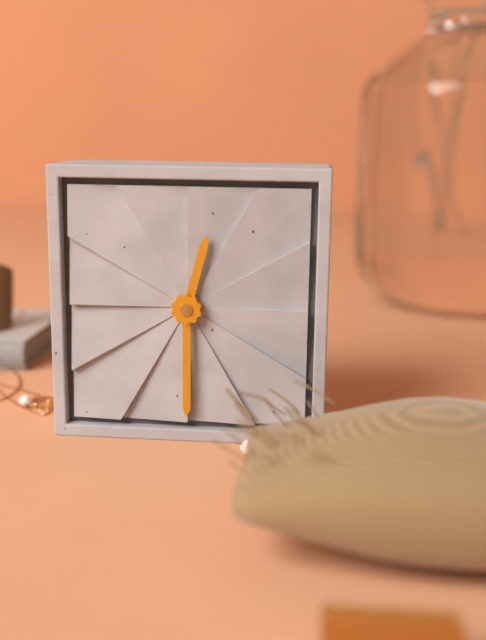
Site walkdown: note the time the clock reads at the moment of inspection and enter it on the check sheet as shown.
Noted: 12:30
